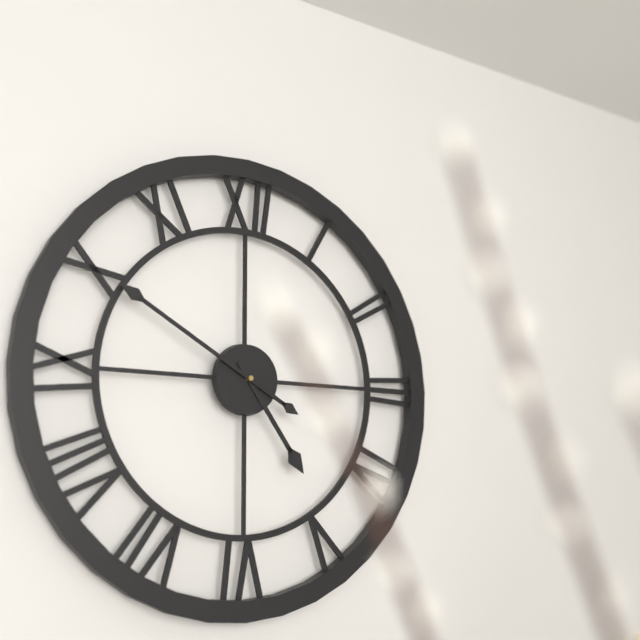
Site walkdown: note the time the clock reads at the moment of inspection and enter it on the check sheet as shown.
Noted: 4:50
